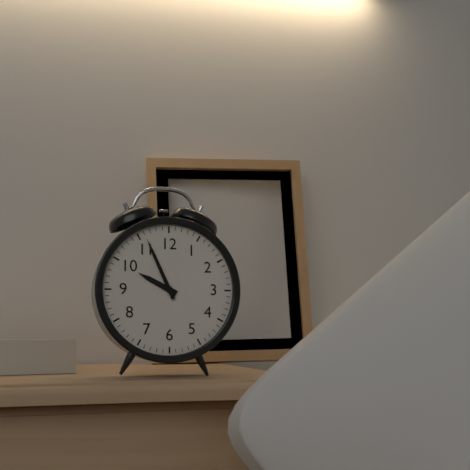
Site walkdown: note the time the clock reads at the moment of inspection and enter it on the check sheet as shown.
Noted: 9:56
